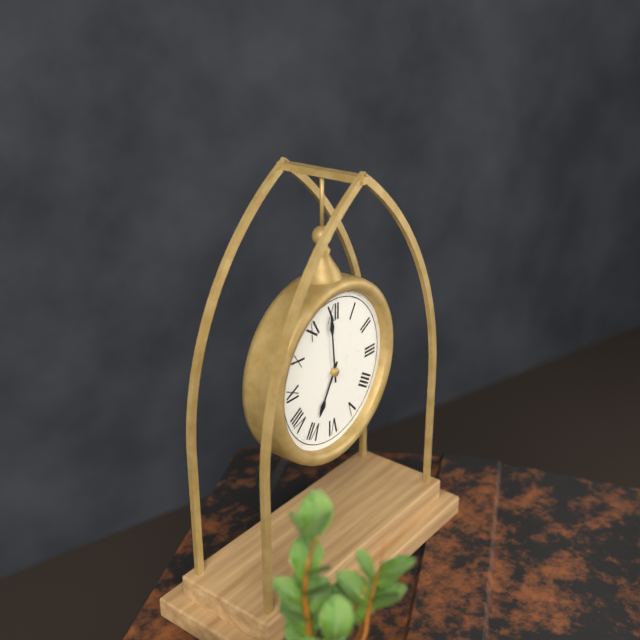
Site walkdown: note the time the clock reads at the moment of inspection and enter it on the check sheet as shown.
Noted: 6:59
